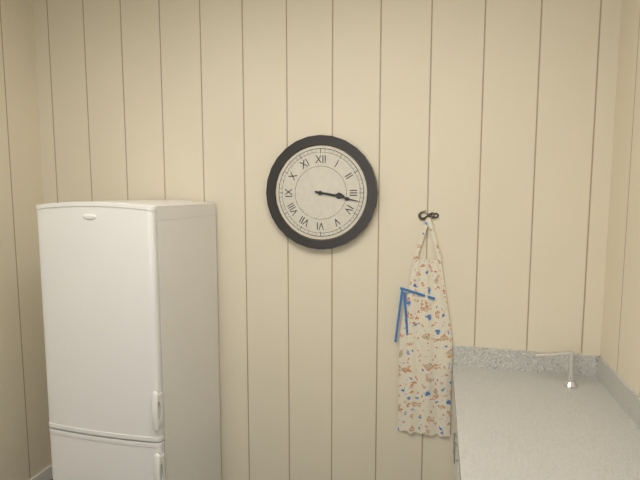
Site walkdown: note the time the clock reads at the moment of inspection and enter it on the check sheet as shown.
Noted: 3:17
